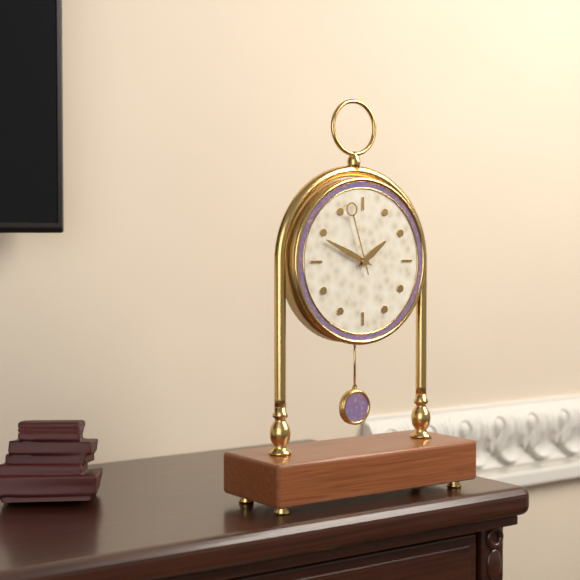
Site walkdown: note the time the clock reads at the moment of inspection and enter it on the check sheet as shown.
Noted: 1:49:57
